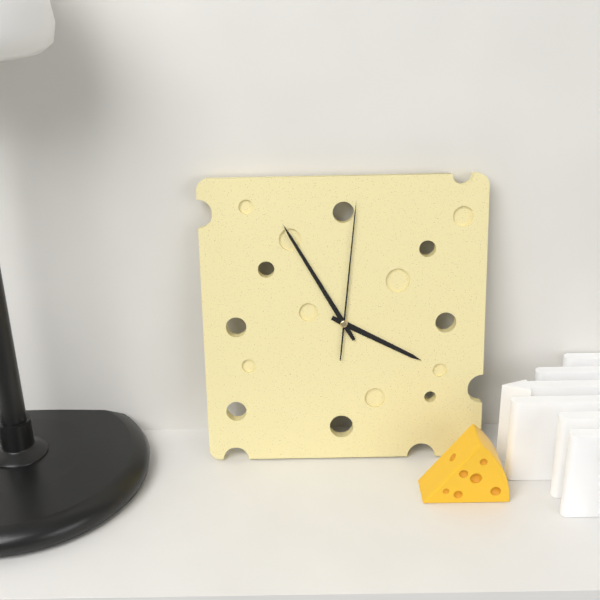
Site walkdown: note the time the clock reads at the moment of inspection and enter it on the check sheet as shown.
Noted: 3:55:01
